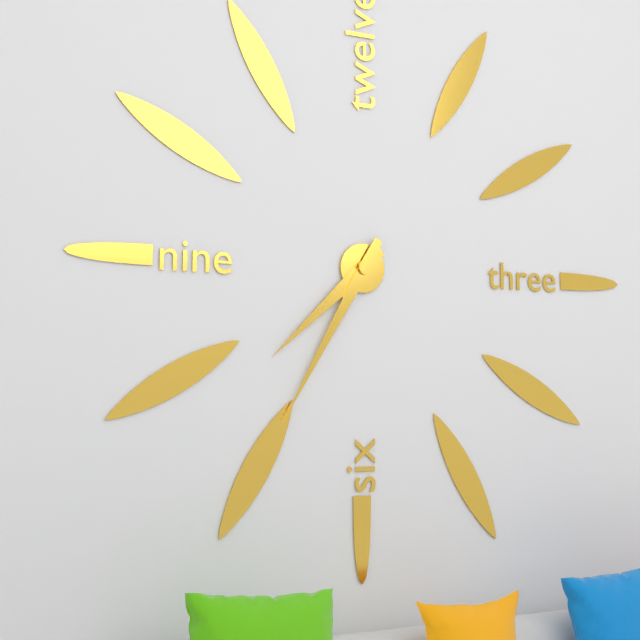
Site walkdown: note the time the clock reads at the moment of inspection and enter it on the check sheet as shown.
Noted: 7:35
